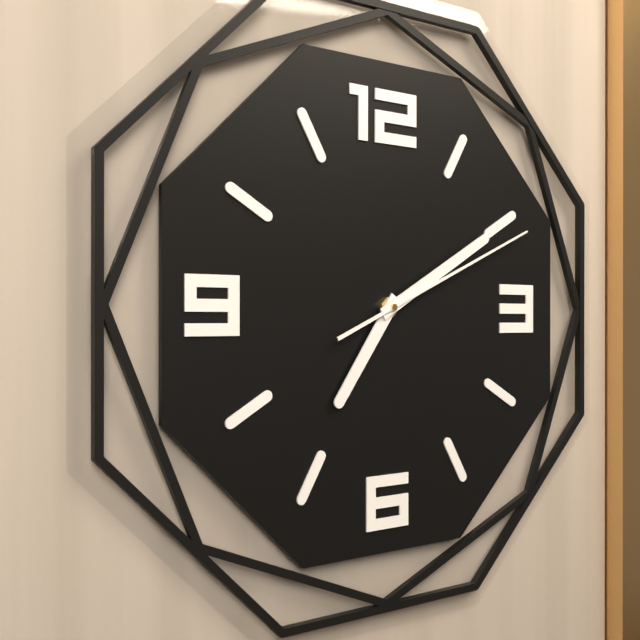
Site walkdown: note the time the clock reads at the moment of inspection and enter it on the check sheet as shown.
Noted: 7:10:11
